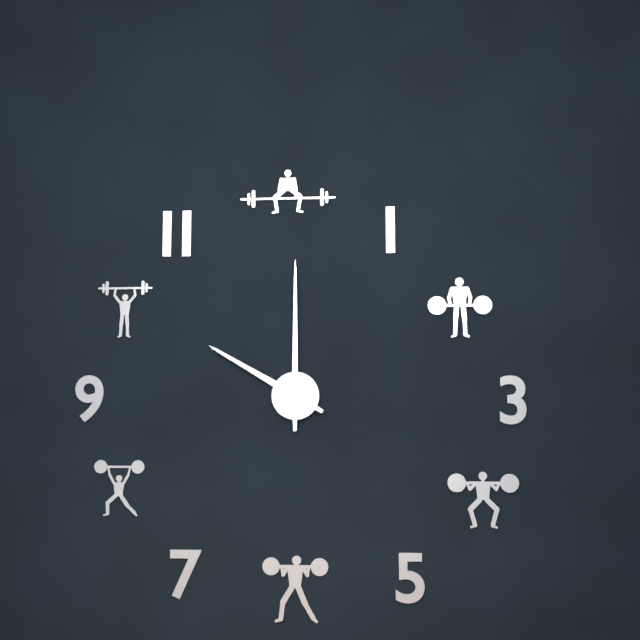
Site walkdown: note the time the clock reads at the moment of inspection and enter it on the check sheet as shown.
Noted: 10:00
